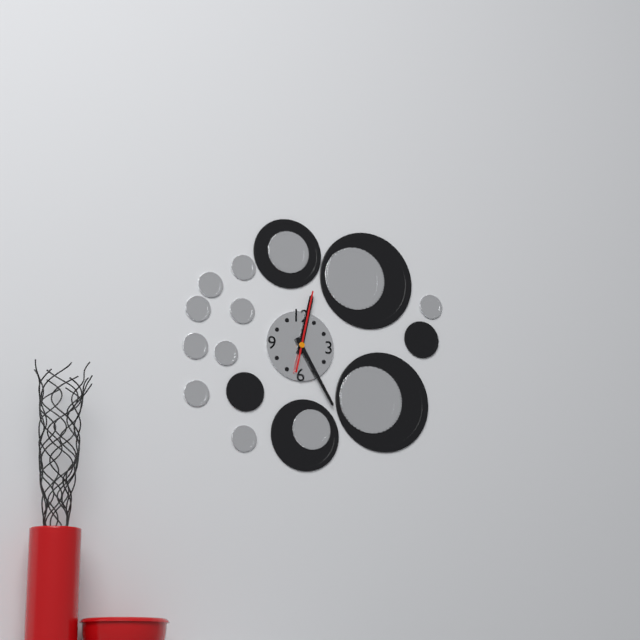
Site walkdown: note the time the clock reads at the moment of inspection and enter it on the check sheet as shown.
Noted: 12:25:02
